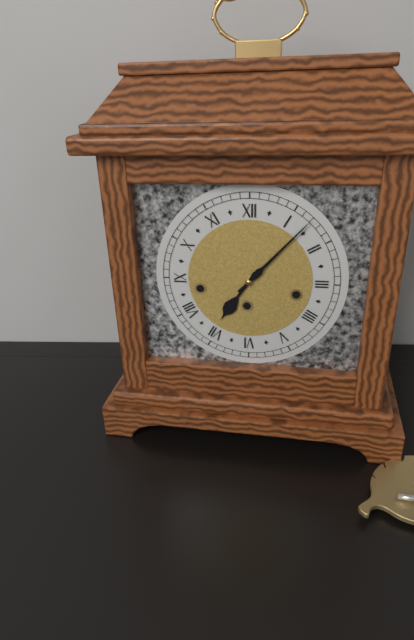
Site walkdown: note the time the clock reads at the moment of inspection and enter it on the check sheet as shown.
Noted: 7:07
